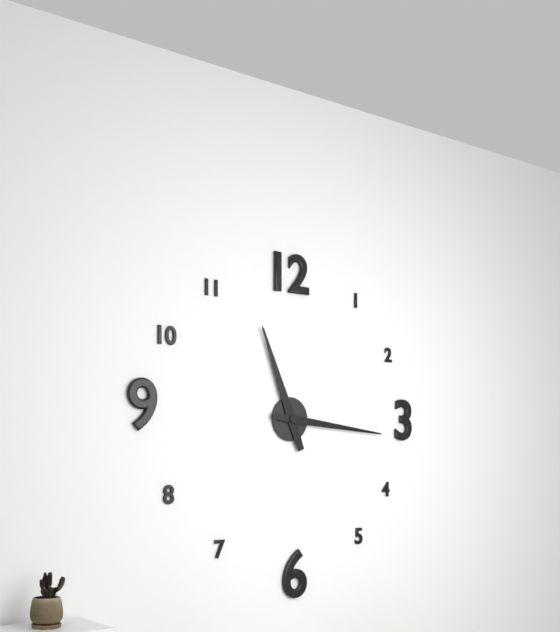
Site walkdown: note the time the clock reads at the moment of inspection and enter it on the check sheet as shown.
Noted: 11:16
